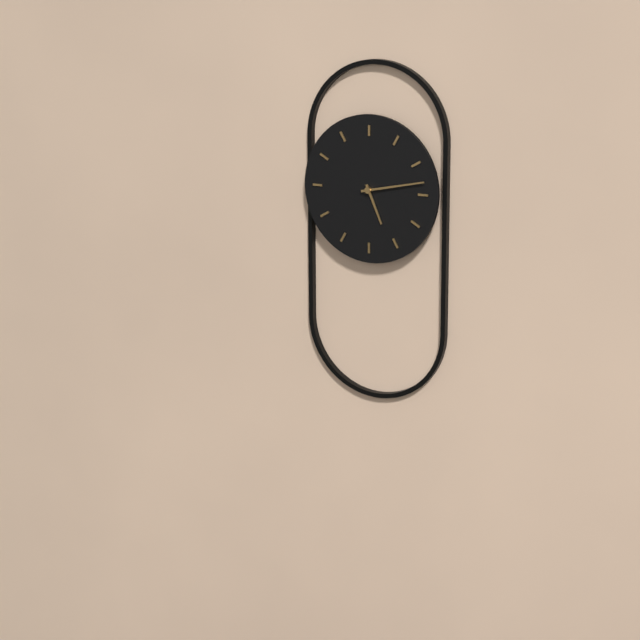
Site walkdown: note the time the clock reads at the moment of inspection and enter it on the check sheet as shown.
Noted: 5:13
